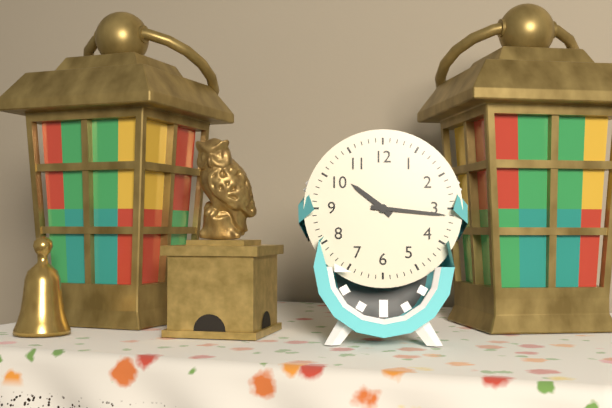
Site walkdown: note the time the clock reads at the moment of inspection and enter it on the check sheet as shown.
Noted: 10:16
